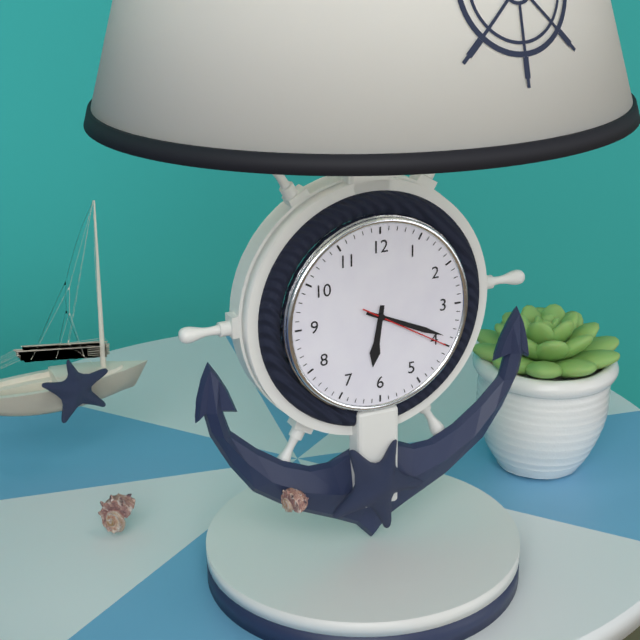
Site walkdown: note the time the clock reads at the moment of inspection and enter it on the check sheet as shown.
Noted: 6:19:20
